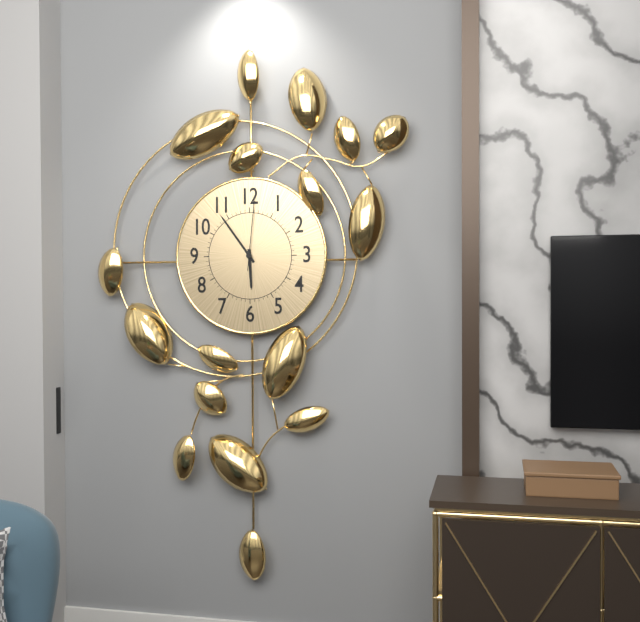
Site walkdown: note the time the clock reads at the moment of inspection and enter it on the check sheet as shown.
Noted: 5:54:01
